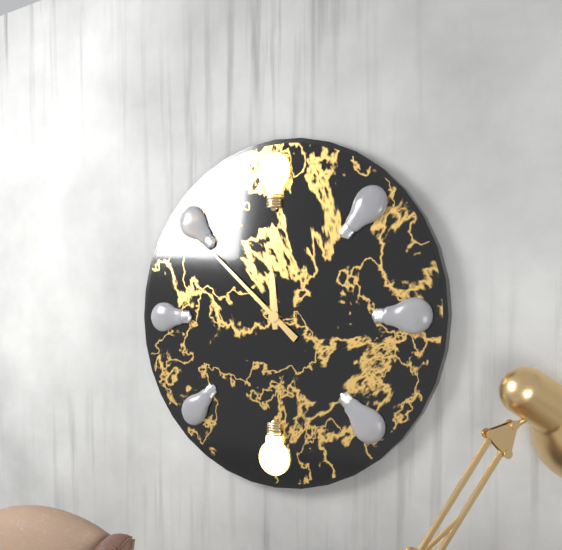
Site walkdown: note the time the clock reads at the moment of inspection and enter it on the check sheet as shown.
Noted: 11:52
